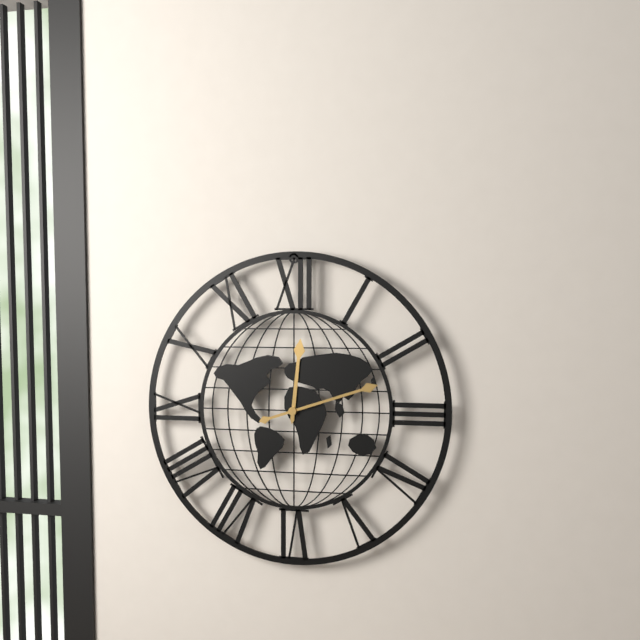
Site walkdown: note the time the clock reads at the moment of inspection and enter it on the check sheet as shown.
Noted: 12:12
